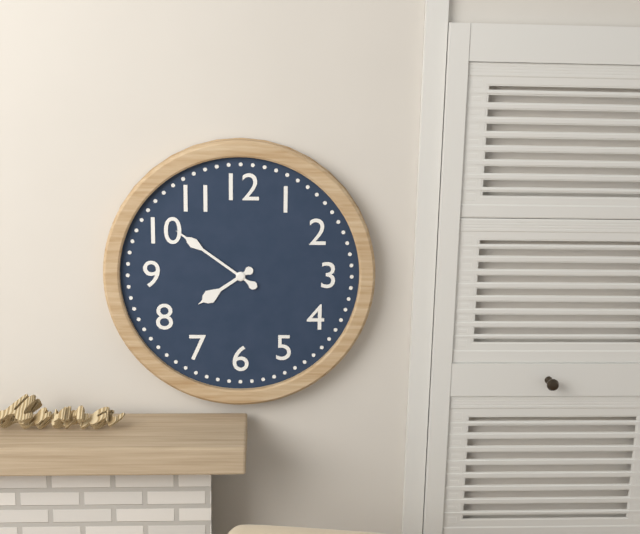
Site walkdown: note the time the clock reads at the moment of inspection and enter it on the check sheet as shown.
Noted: 7:51
